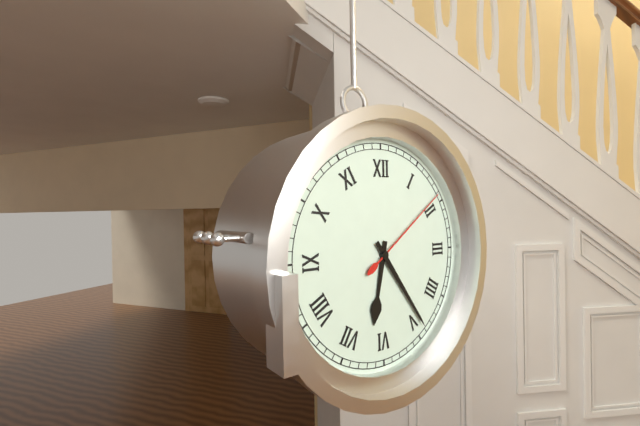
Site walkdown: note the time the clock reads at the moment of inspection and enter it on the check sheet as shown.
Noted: 6:24:09
